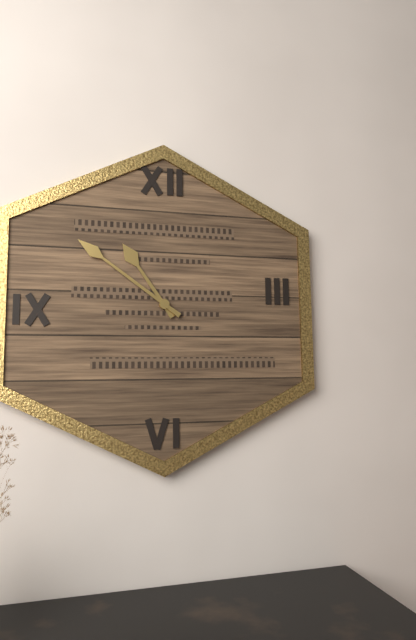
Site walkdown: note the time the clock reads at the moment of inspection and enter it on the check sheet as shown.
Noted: 10:51
